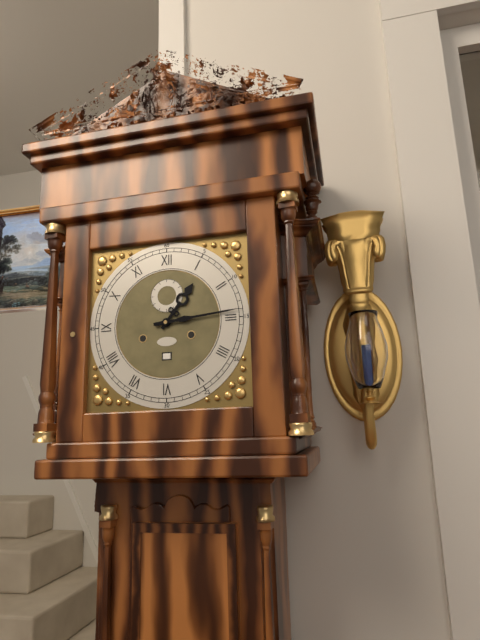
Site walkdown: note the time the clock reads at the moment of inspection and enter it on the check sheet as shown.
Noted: 1:14
